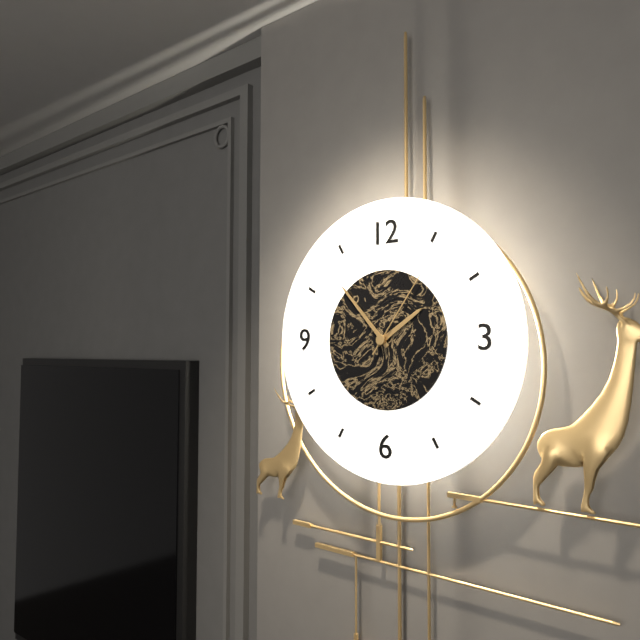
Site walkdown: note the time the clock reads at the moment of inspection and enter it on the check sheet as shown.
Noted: 1:53:06
